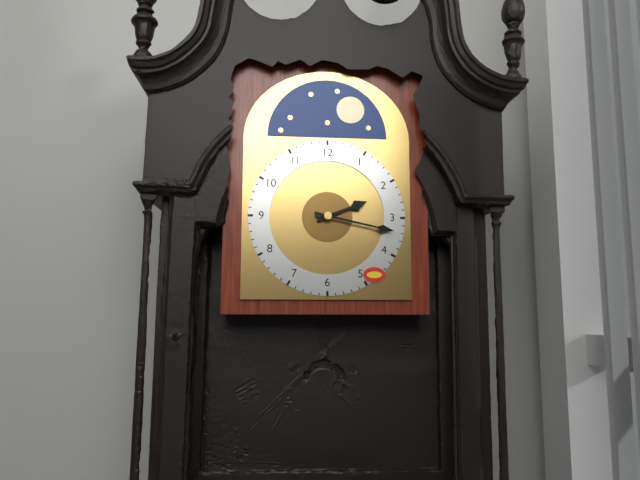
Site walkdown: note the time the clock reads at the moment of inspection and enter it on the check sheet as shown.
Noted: 2:17
